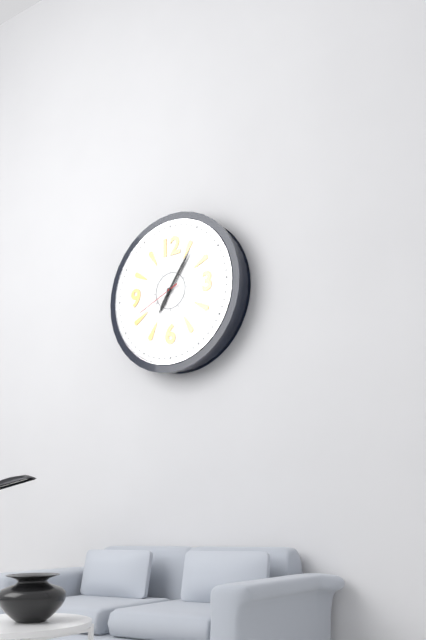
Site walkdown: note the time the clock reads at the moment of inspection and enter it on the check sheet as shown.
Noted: 7:06
